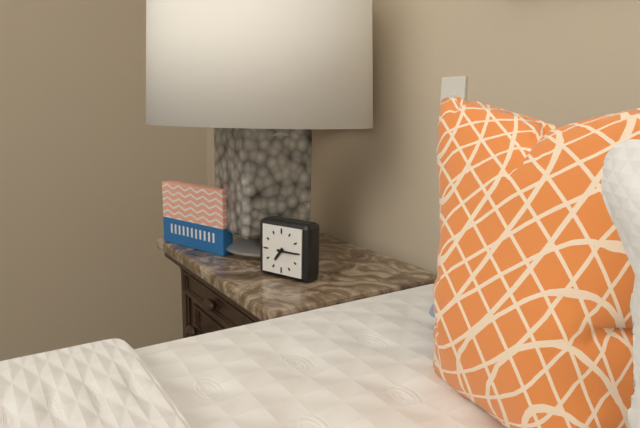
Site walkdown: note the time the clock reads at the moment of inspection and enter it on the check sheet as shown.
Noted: 7:15
